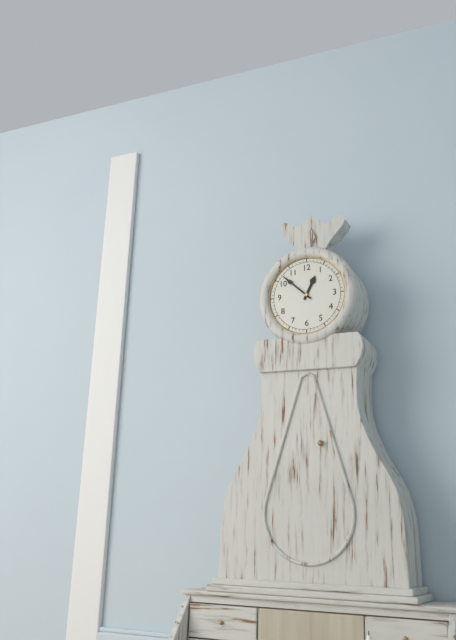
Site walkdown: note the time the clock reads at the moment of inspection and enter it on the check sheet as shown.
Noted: 12:52
